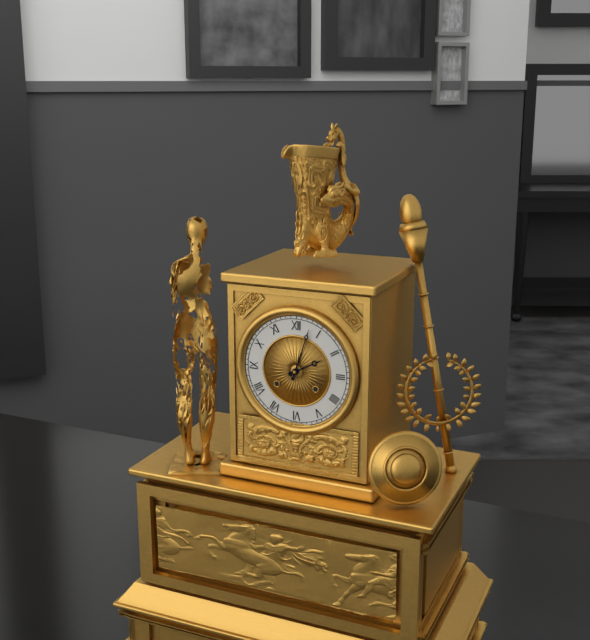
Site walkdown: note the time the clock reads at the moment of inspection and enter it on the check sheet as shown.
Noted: 2:03
